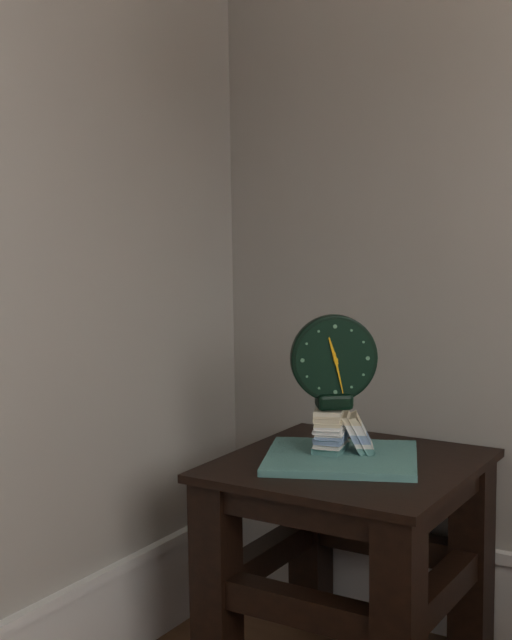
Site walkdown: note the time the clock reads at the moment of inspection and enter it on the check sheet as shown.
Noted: 11:28
